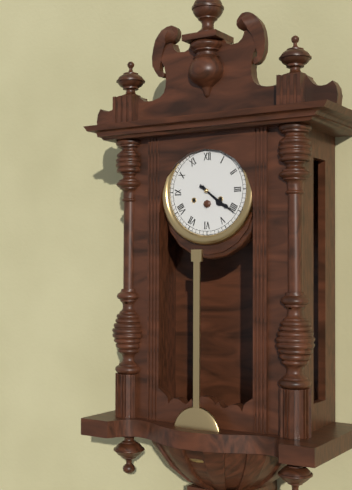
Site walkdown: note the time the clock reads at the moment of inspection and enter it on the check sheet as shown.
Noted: 4:21
